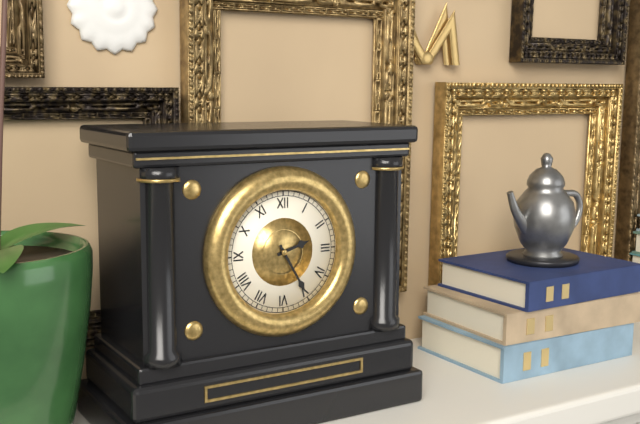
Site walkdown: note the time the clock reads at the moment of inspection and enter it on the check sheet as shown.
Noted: 2:25
